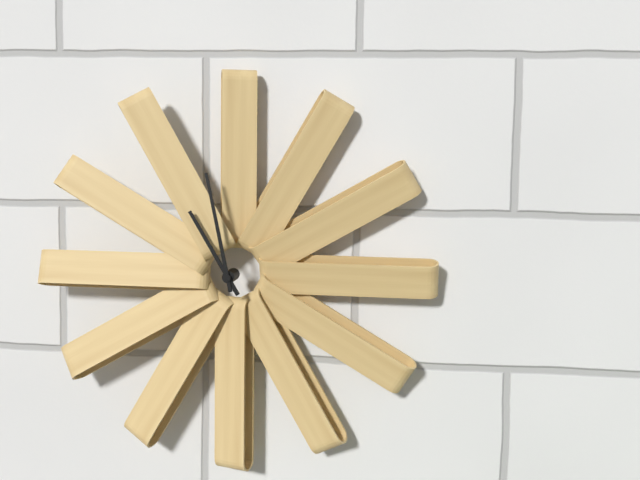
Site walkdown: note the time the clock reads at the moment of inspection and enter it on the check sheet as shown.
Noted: 10:58
